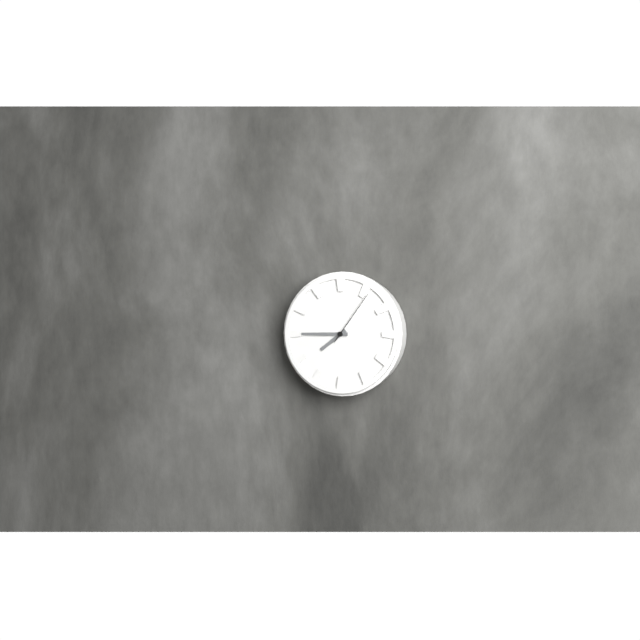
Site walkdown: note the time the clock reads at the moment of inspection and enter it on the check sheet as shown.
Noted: 7:45:06
